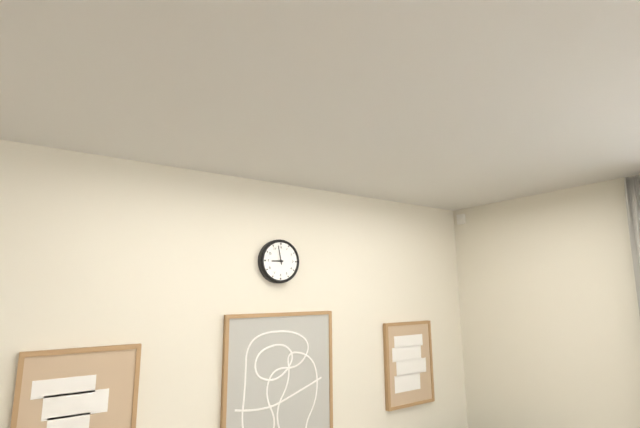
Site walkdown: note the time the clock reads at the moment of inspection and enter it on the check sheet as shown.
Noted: 8:58
